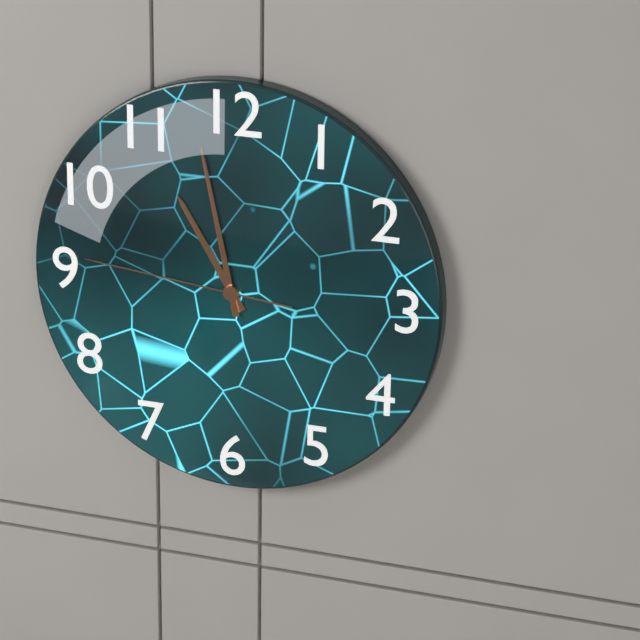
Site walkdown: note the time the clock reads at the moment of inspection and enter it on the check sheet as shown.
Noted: 10:58:46
